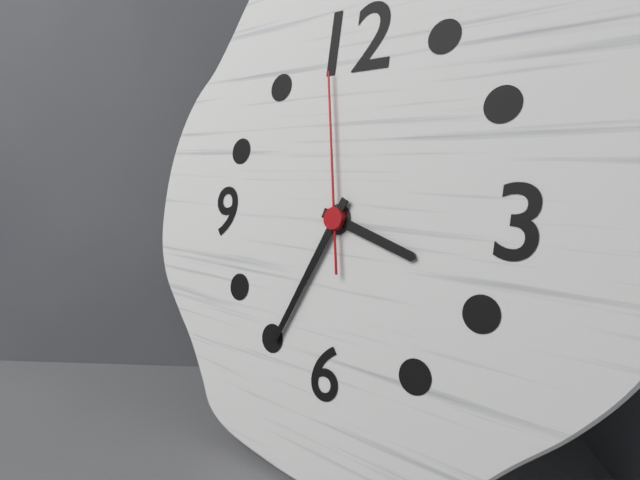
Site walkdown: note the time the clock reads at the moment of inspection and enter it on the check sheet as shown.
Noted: 3:34:58
